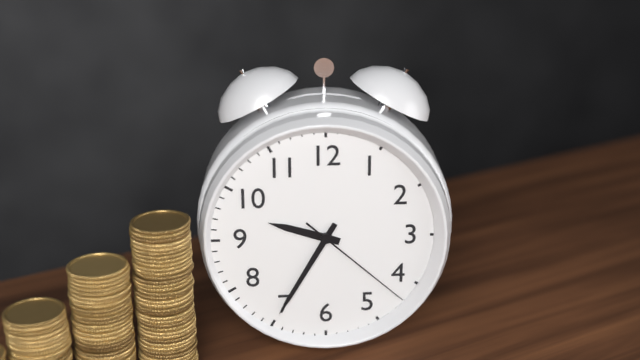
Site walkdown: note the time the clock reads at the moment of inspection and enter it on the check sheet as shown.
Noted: 9:35:22
